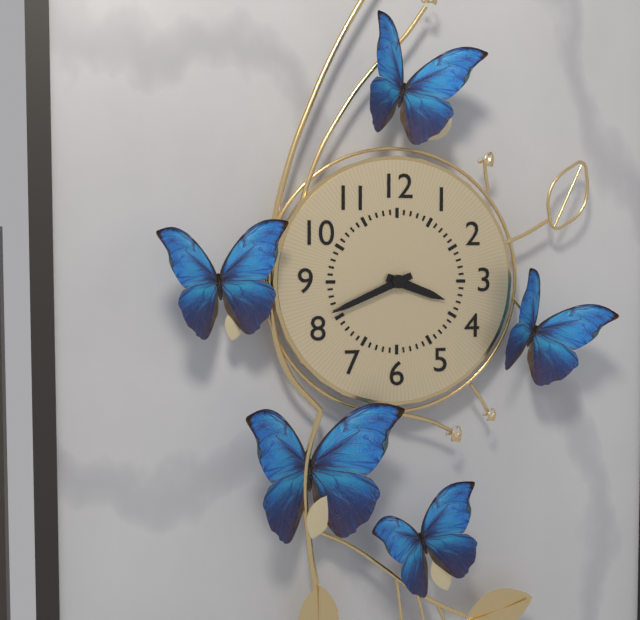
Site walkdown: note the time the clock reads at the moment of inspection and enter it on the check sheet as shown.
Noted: 3:41
